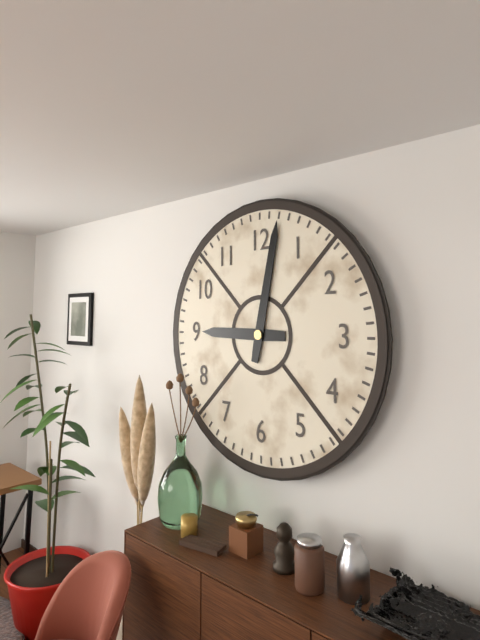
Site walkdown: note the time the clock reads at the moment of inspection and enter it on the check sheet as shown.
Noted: 9:02
